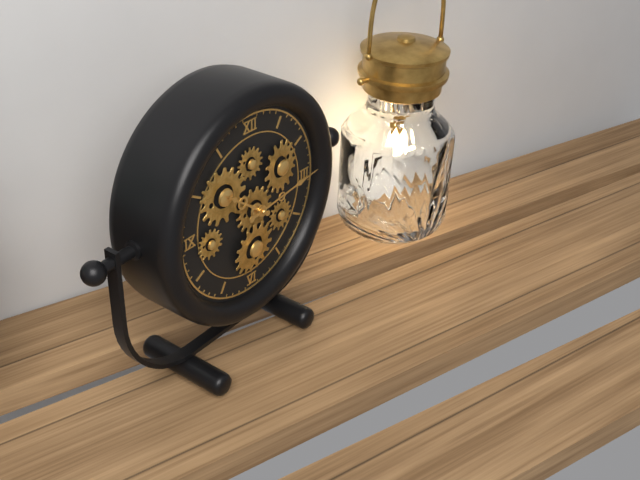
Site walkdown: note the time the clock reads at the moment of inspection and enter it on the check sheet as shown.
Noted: 10:14
